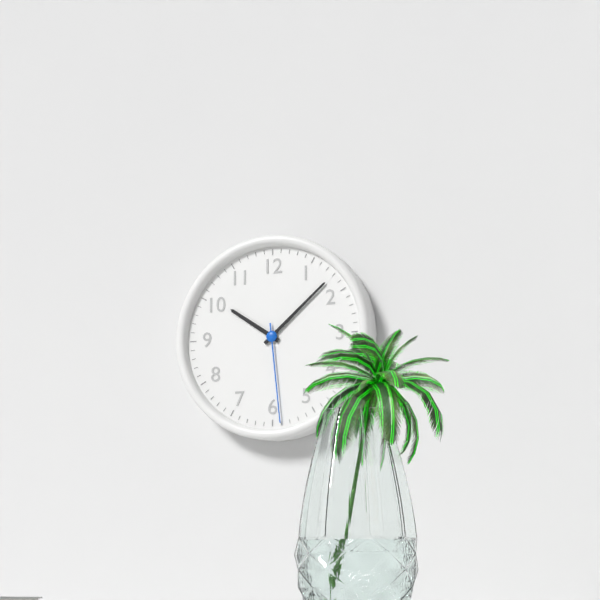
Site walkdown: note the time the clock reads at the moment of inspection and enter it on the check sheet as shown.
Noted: 10:08:29
